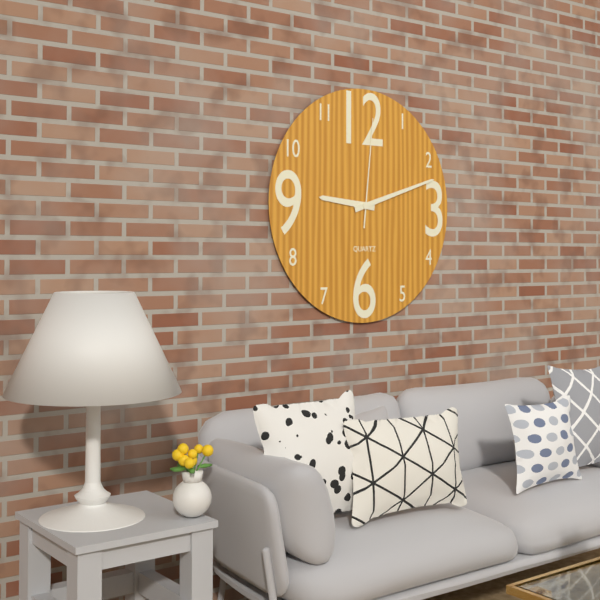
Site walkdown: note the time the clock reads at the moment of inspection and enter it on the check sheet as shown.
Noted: 9:12:01
